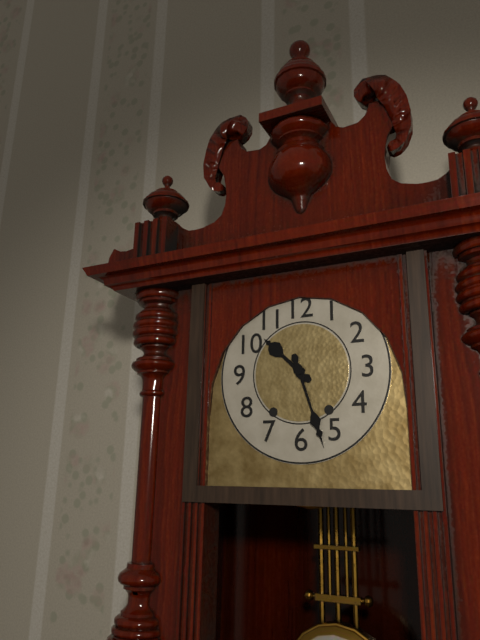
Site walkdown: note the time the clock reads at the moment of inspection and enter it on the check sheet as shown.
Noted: 10:27
